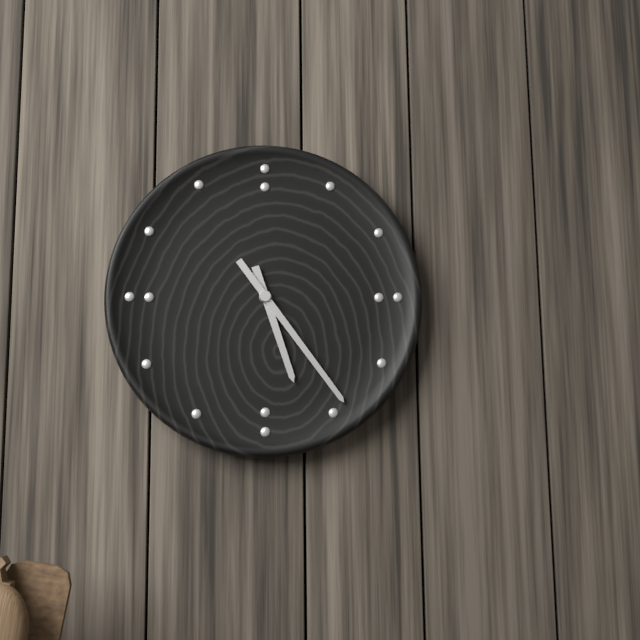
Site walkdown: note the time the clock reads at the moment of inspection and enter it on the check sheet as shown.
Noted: 5:24
